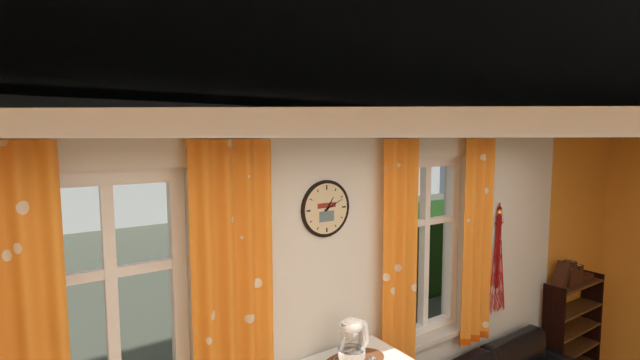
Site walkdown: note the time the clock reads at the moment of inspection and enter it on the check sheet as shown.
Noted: 1:11
